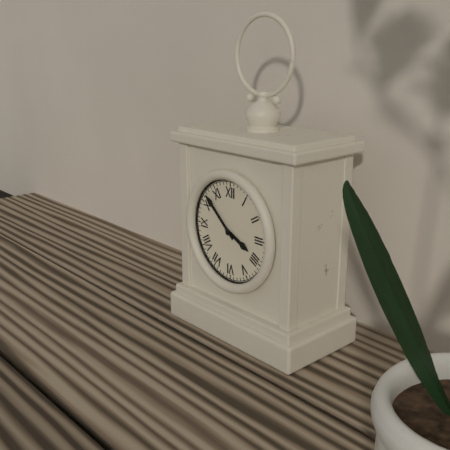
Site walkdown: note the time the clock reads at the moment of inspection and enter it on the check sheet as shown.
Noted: 3:52
